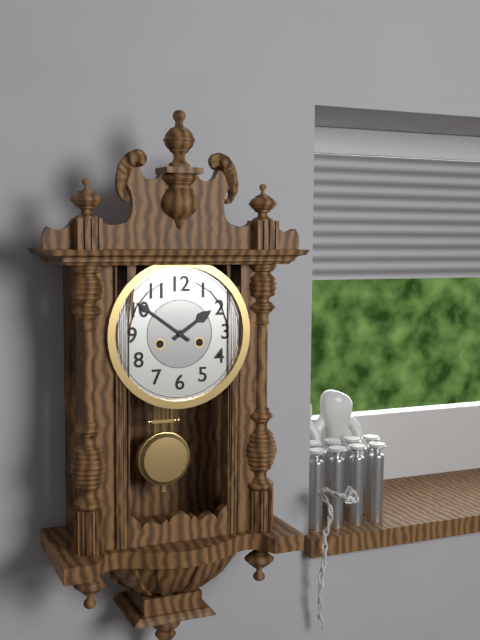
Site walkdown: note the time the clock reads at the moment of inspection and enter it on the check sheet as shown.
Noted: 1:51
